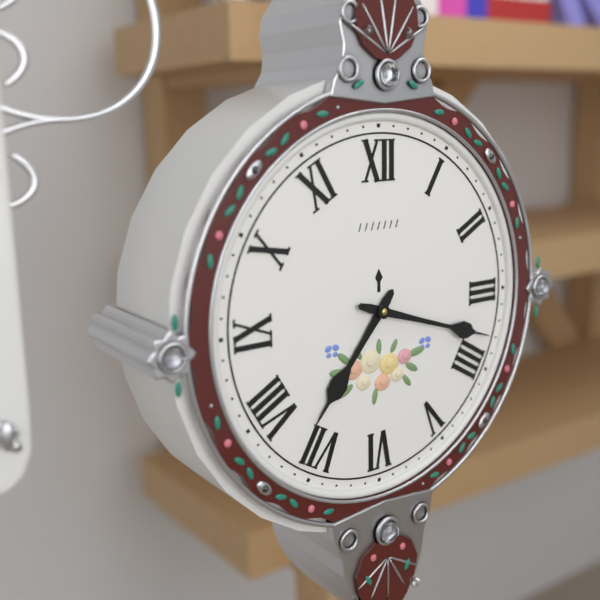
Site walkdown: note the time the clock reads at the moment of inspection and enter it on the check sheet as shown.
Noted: 7:18
